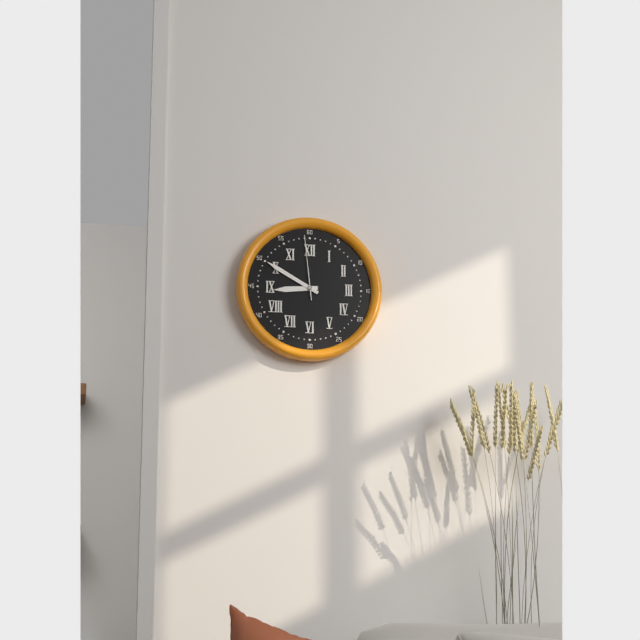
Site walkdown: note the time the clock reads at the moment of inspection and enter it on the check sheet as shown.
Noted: 8:50:59
